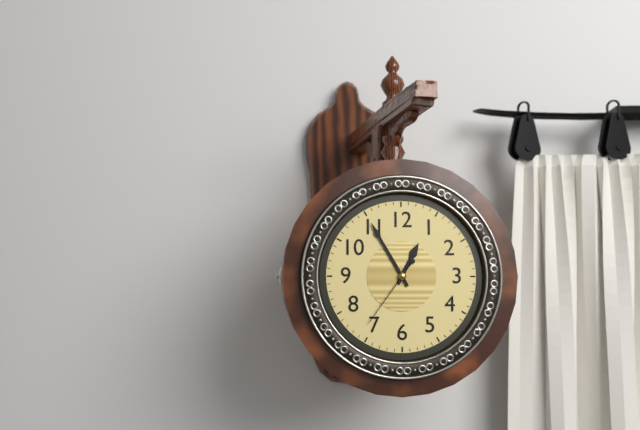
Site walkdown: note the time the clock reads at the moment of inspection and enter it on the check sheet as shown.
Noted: 12:55:36
